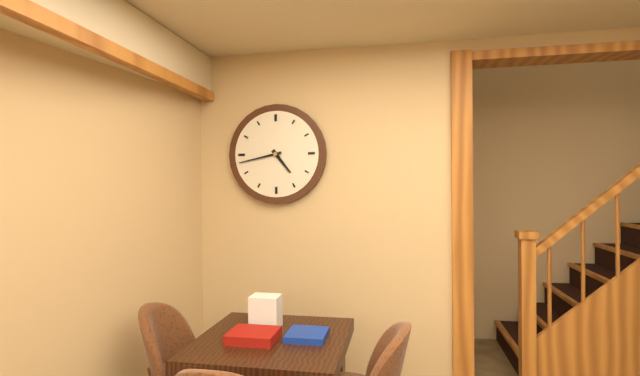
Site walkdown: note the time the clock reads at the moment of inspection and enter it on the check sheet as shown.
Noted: 4:43
